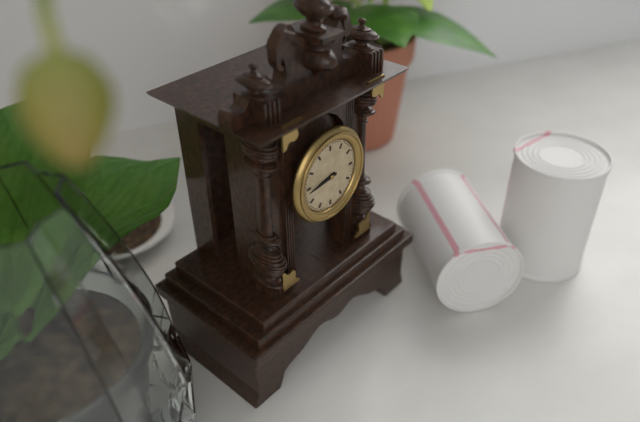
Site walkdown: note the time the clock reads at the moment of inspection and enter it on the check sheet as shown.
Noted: 8:44
